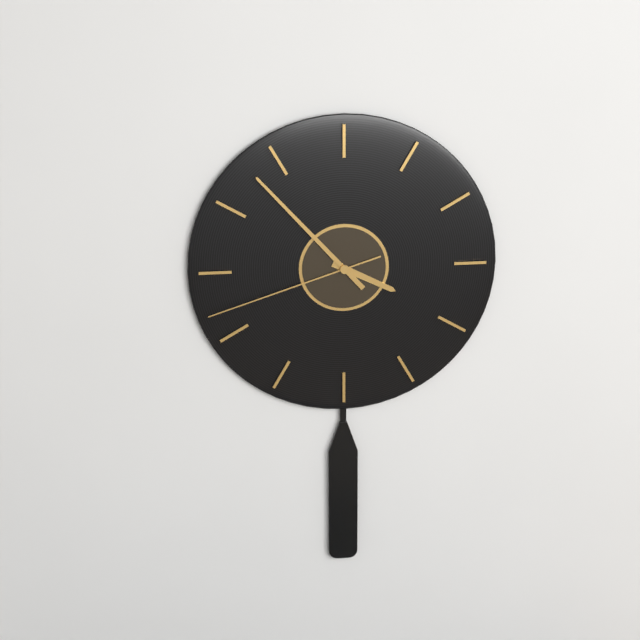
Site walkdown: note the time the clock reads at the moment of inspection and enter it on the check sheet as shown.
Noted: 3:53:42
